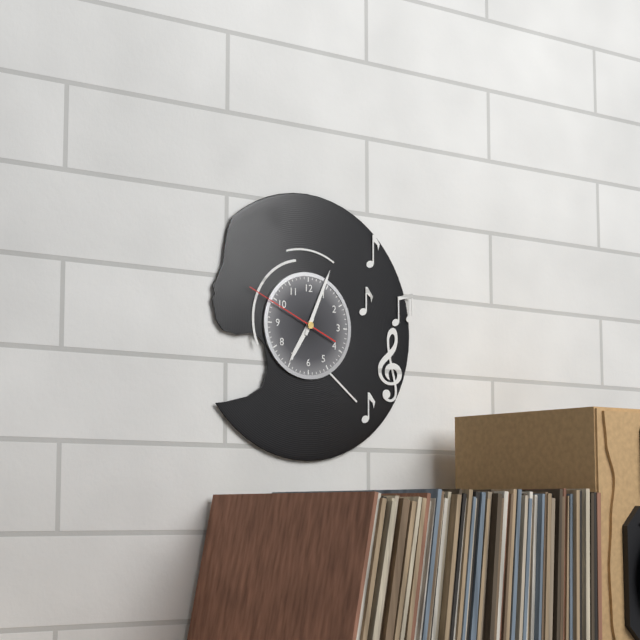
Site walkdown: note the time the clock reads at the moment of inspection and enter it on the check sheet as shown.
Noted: 7:04:49
